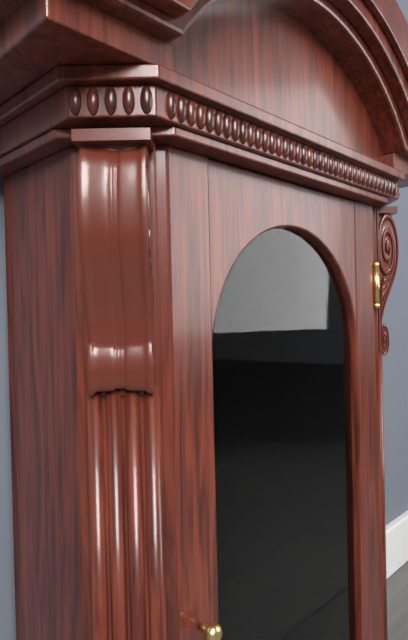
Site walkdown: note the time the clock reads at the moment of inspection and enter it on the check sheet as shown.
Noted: 11:52
